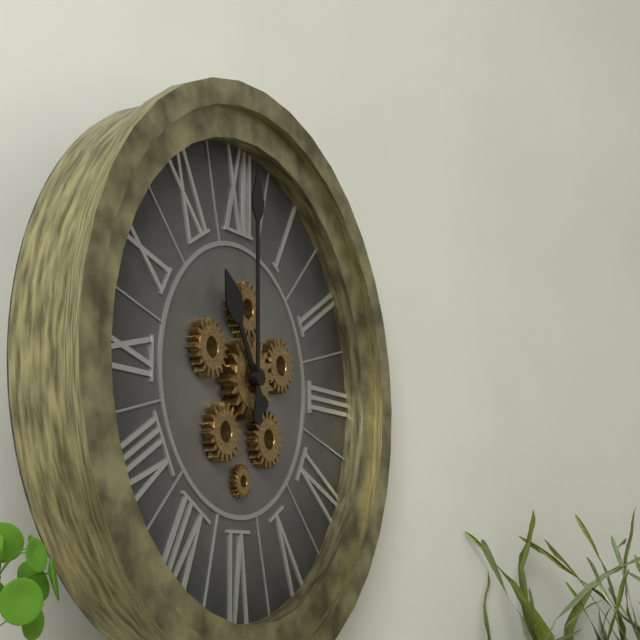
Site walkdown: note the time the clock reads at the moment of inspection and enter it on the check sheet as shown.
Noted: 11:00
